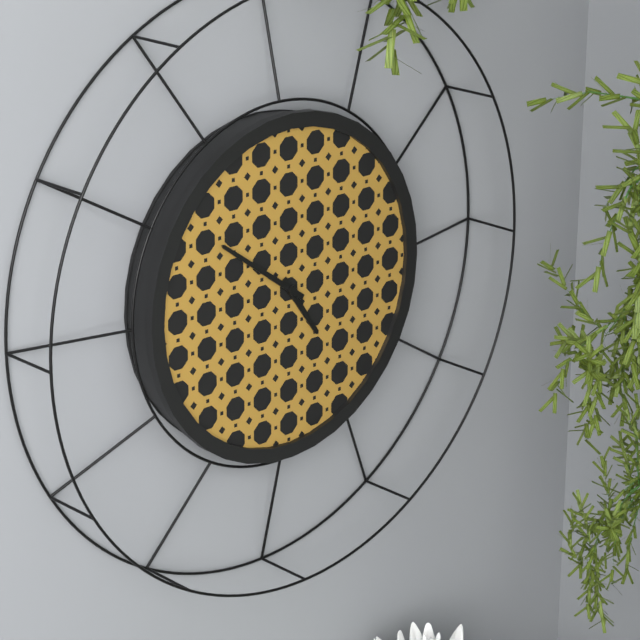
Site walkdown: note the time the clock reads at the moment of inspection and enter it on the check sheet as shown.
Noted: 4:51
